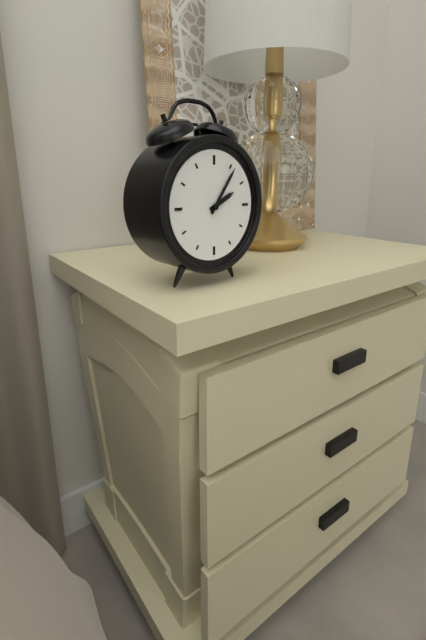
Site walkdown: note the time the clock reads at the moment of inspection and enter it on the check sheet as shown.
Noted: 2:06
